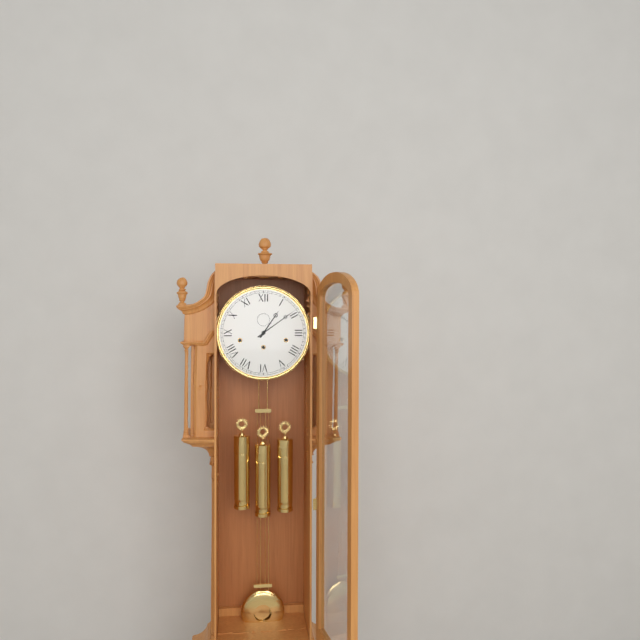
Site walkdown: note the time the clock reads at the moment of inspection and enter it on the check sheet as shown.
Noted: 1:09
